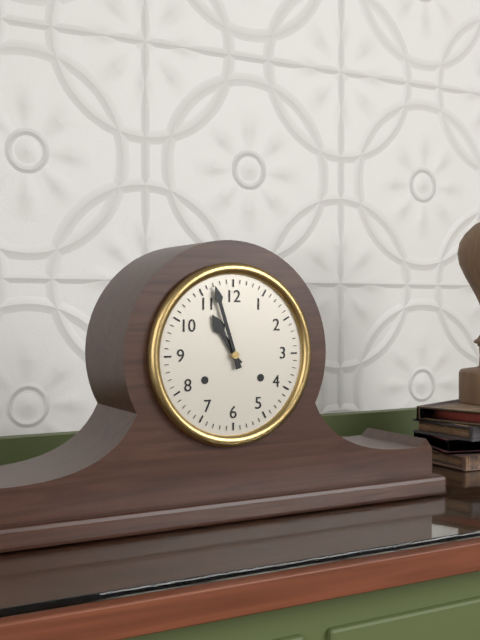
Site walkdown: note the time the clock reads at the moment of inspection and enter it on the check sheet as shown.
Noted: 10:57
